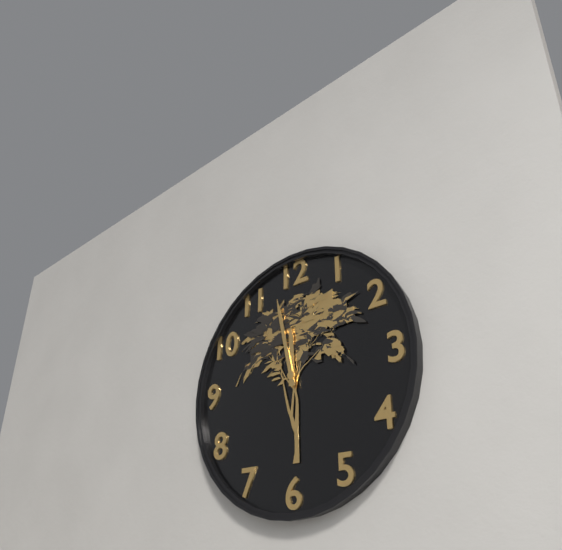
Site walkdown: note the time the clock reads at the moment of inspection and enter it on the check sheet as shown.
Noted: 11:58
